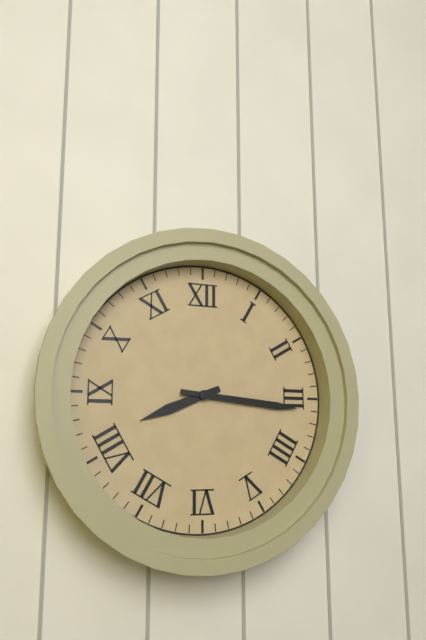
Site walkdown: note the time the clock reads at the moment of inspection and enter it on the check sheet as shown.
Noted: 8:16
